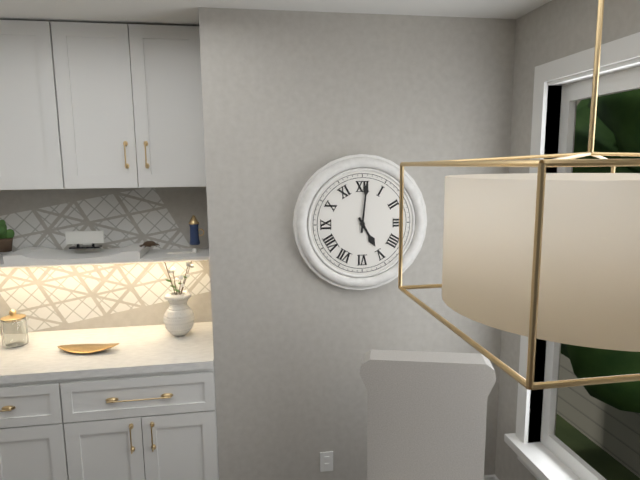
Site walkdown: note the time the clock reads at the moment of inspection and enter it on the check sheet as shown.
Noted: 5:01
